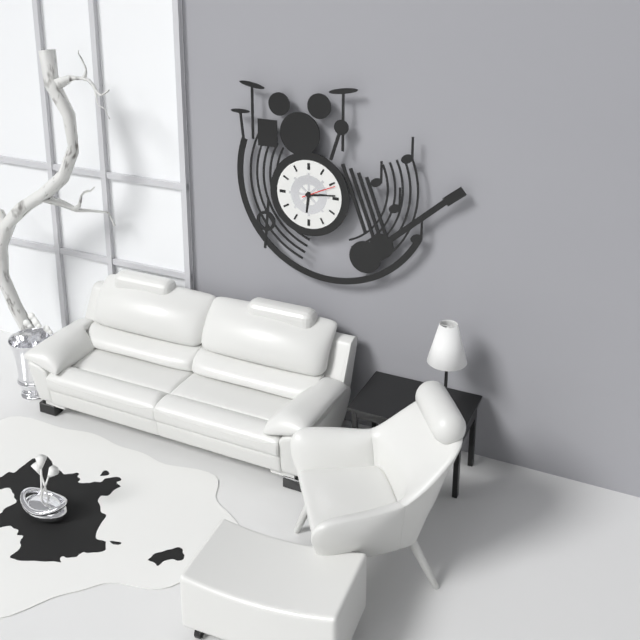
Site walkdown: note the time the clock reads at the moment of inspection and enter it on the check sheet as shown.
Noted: 6:14
